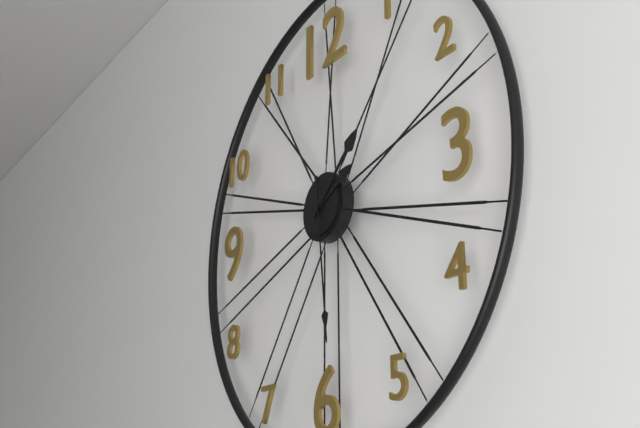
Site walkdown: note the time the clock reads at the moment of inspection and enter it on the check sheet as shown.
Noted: 2:08:29
